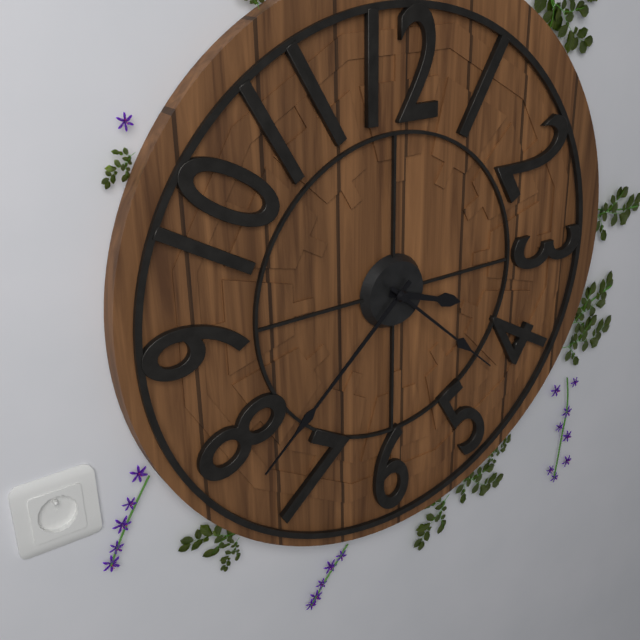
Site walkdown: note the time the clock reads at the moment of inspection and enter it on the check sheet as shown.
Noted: 3:38:22
